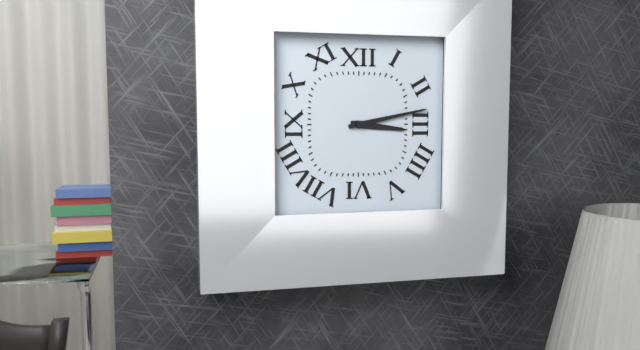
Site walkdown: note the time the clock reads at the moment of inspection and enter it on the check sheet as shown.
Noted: 3:13
